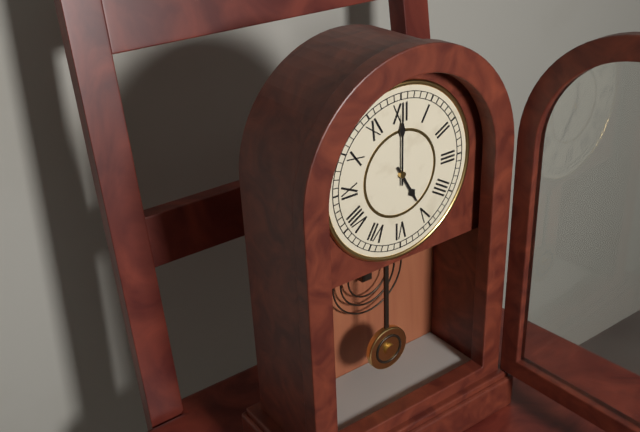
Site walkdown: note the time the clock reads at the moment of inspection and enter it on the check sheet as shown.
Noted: 5:00
